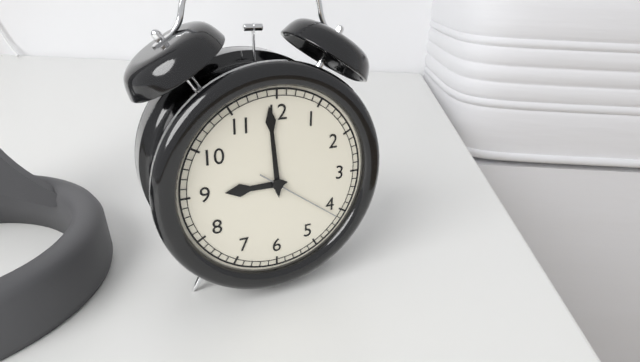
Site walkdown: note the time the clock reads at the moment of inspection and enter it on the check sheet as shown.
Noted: 8:59:21
